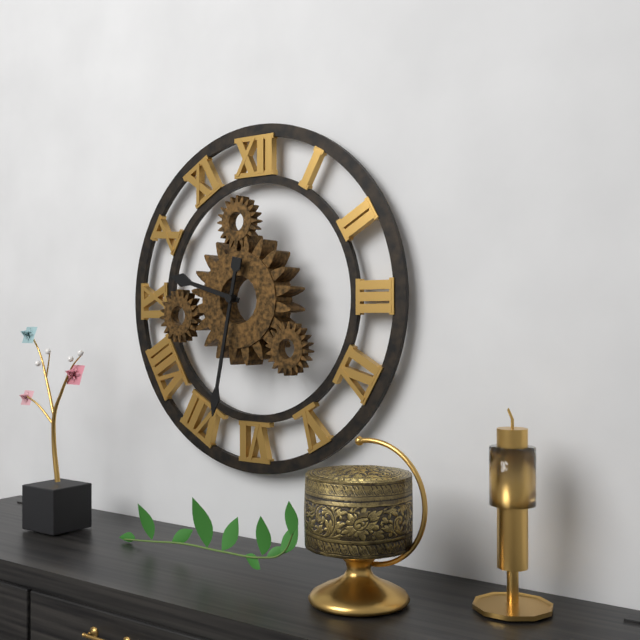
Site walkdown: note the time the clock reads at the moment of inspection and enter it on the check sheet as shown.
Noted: 9:32
